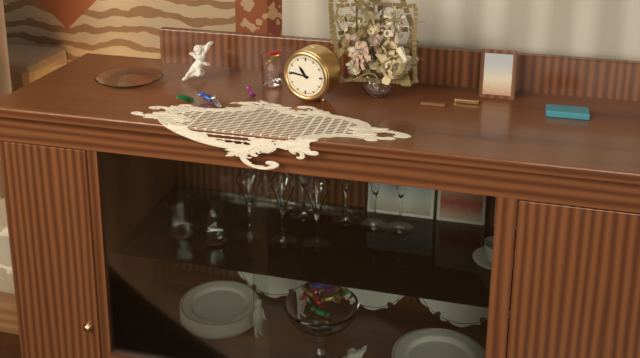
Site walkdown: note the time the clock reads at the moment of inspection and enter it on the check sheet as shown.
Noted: 10:46
